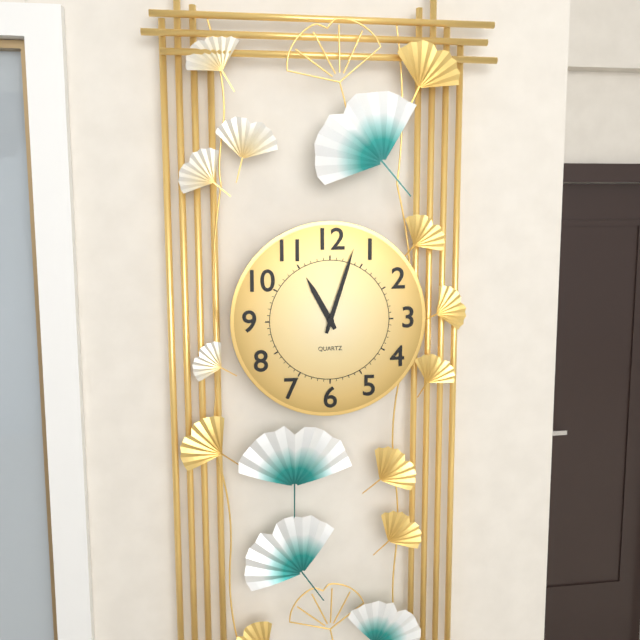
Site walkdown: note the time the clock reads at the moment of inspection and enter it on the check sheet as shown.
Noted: 11:03
